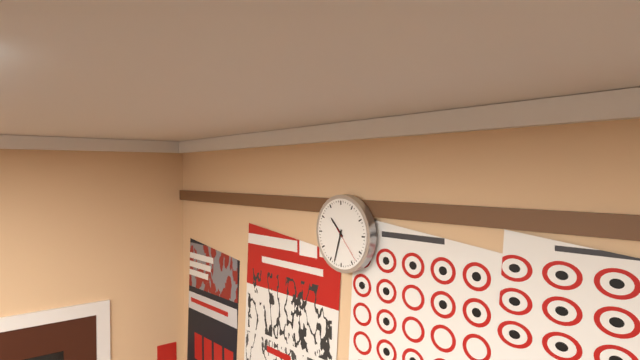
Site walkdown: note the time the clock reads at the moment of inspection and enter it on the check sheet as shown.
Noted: 10:33
